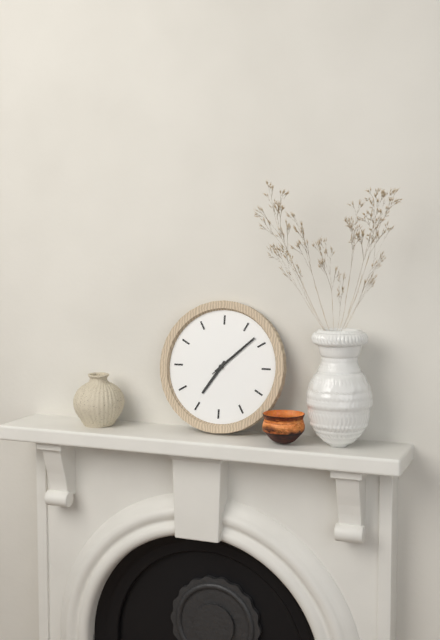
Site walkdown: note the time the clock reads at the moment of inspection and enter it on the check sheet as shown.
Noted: 7:08:08
